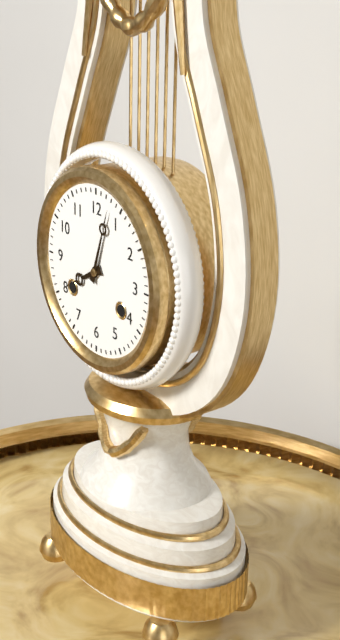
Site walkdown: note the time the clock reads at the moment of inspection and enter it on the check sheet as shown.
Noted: 8:03
